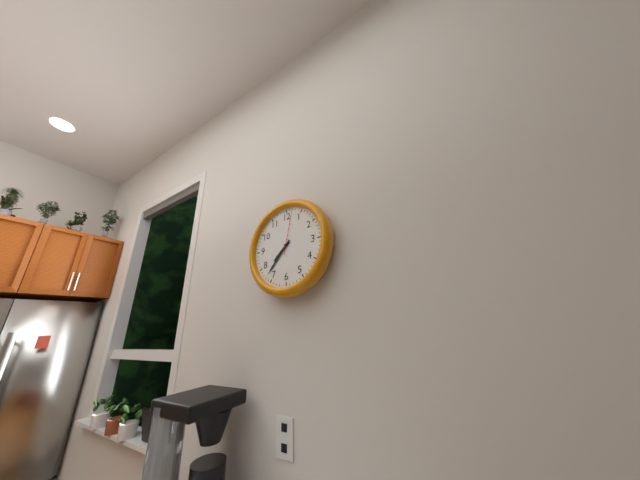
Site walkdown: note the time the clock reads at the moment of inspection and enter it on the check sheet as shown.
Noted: 7:37
